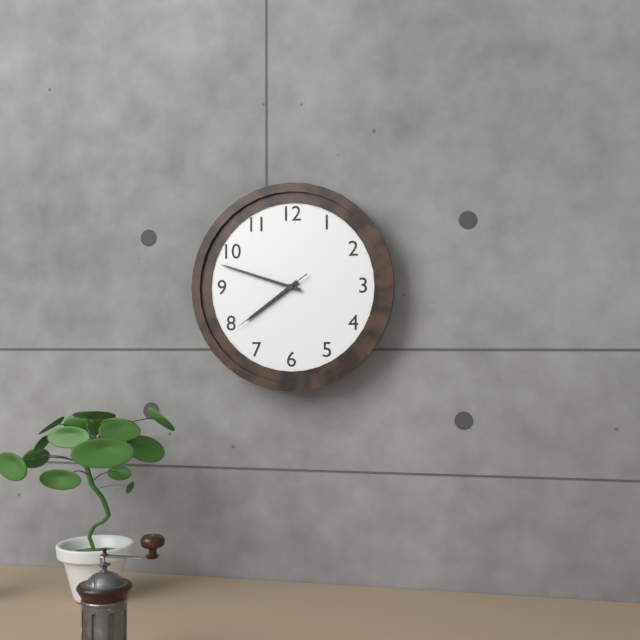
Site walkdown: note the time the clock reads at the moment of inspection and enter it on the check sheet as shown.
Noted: 7:48:39
